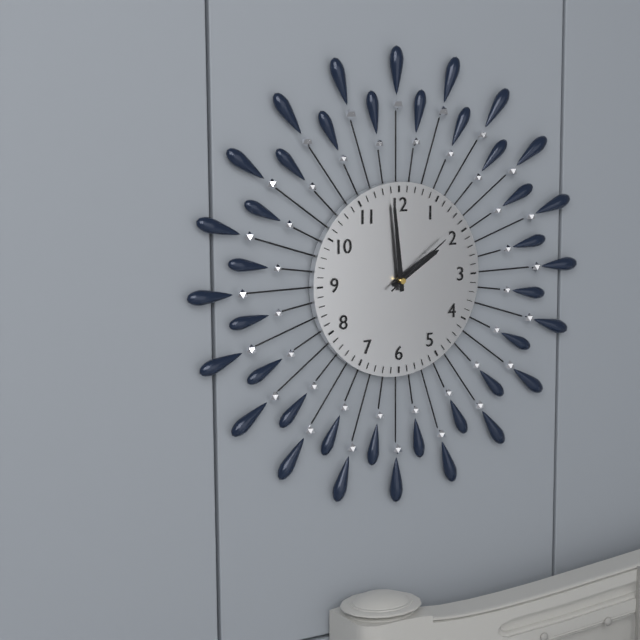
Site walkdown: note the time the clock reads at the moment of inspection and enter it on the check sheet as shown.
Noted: 1:59:09
